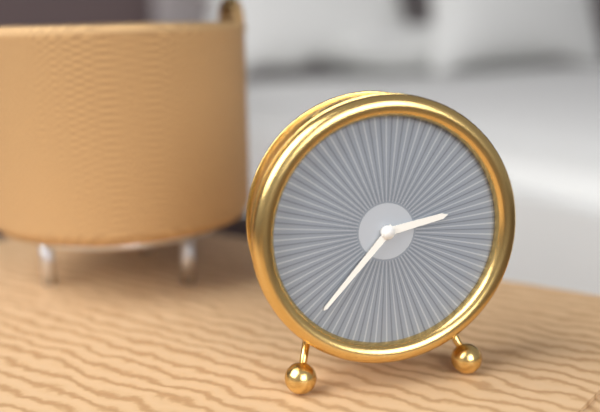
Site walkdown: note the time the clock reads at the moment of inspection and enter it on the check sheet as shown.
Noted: 2:37
